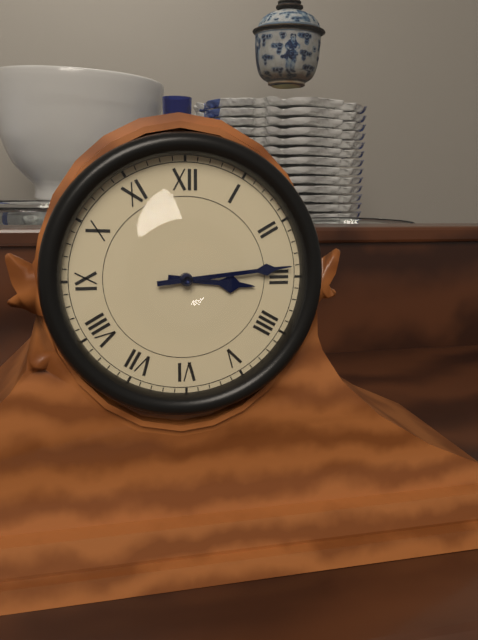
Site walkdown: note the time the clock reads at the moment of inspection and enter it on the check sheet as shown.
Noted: 3:14
